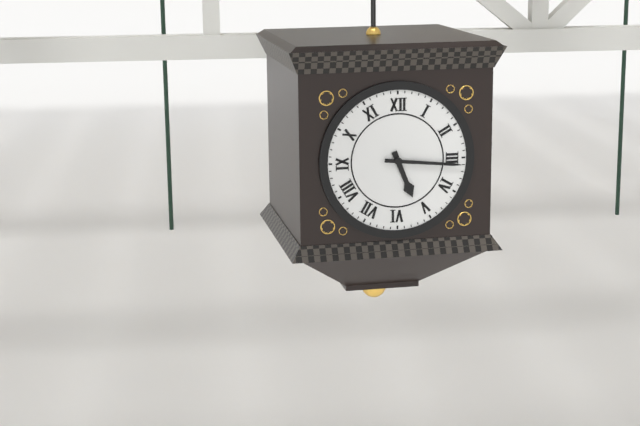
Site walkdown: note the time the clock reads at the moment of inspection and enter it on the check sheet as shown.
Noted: 5:16
